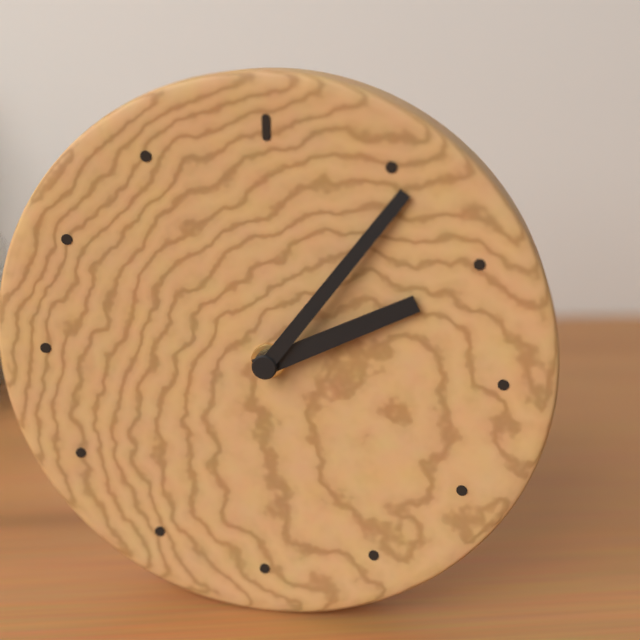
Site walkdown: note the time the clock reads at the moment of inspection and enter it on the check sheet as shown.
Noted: 2:06
